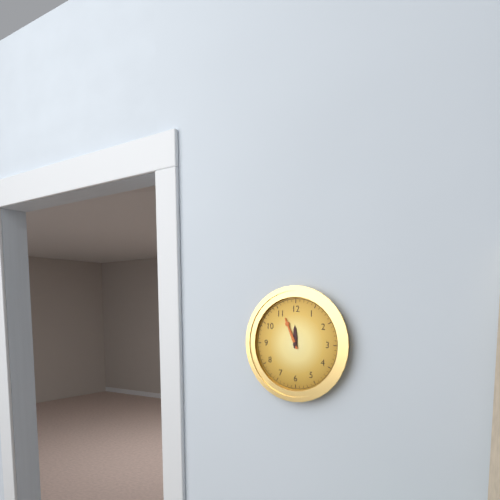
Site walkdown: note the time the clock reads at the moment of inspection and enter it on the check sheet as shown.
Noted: 11:56
